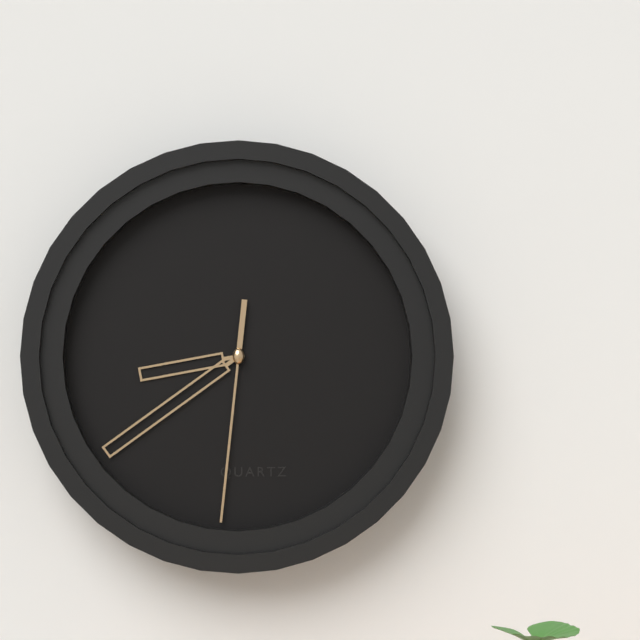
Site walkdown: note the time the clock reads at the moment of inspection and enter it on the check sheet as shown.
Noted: 8:39:31
